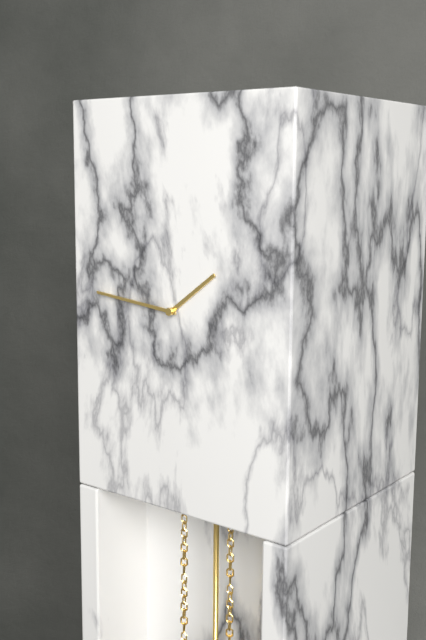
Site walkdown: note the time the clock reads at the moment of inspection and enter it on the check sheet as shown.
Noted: 1:46
